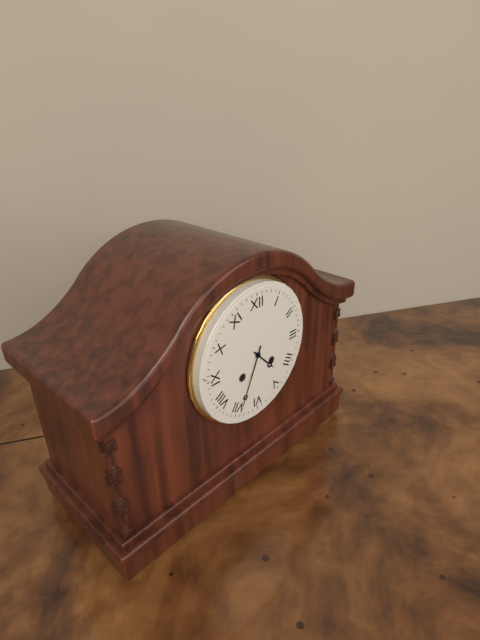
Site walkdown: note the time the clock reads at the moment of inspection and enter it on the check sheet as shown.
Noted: 4:34
